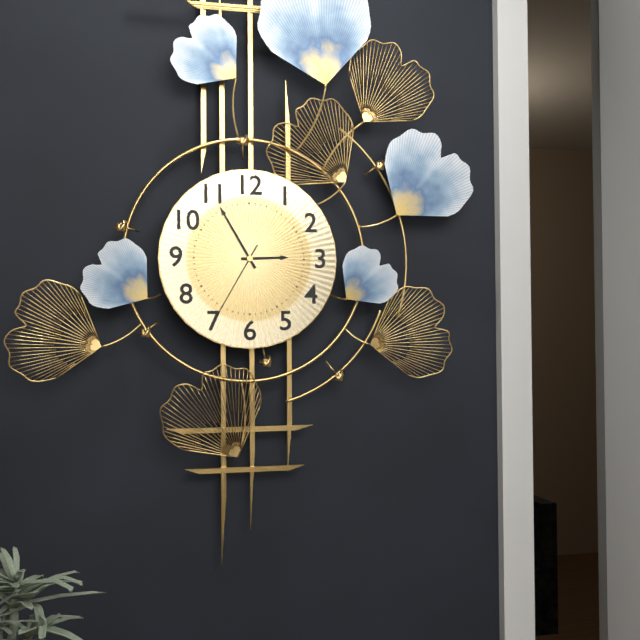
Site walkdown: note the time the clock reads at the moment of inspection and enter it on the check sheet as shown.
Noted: 2:55:35
